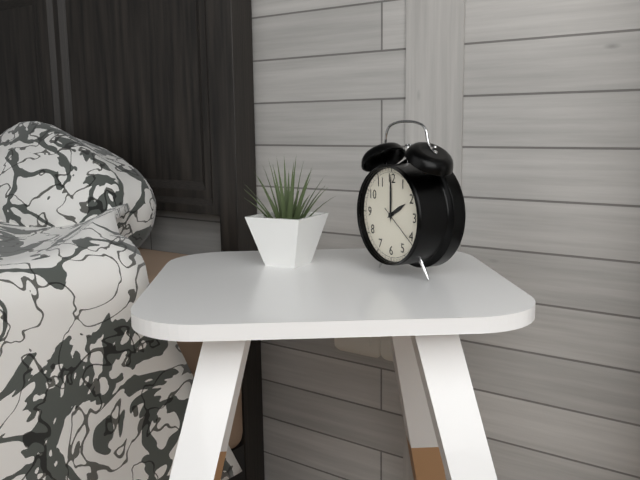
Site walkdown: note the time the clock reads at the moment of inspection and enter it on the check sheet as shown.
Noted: 2:00
